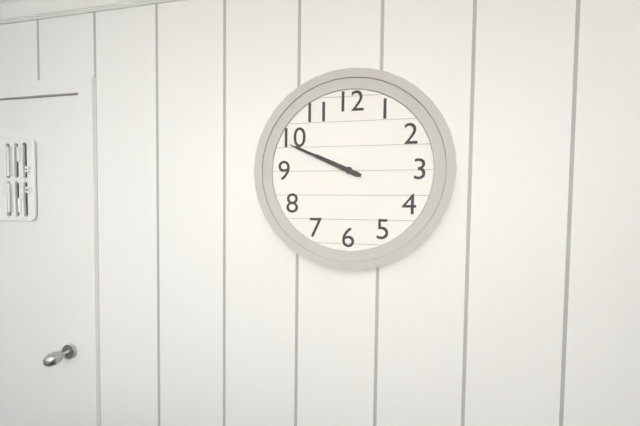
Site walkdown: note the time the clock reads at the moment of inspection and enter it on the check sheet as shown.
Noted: 9:49
